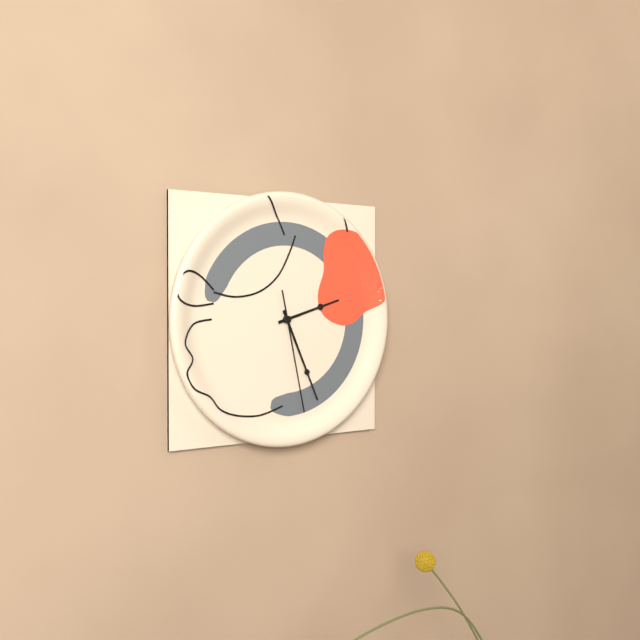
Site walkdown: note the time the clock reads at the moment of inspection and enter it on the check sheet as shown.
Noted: 2:26:28
